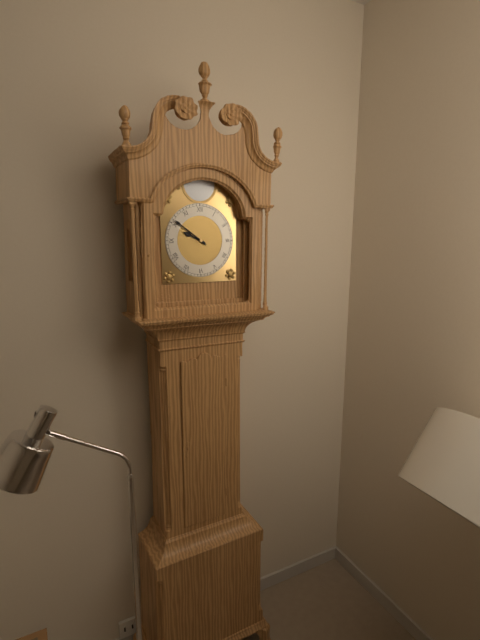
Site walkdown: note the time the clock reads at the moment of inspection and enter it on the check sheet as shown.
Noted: 9:51
